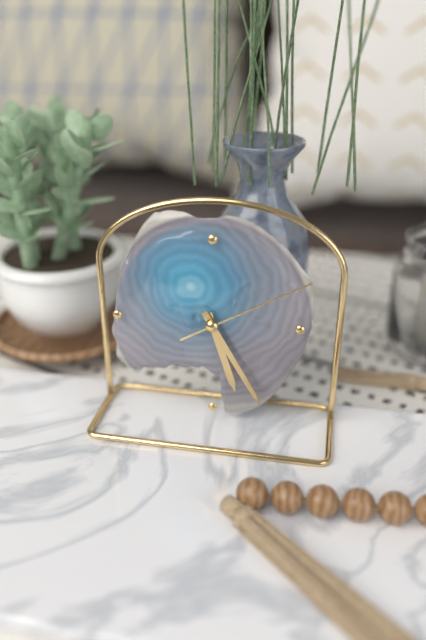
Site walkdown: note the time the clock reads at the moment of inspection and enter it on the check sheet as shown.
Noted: 5:25:10
